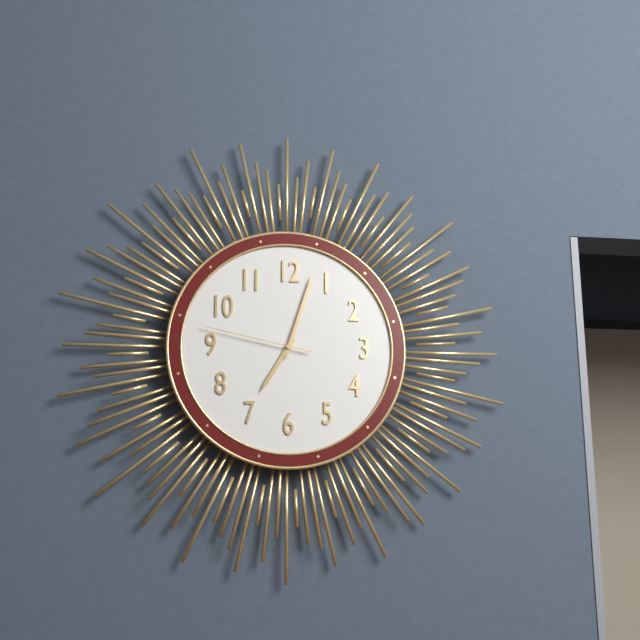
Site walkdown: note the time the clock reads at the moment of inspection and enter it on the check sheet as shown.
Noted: 7:03:47
